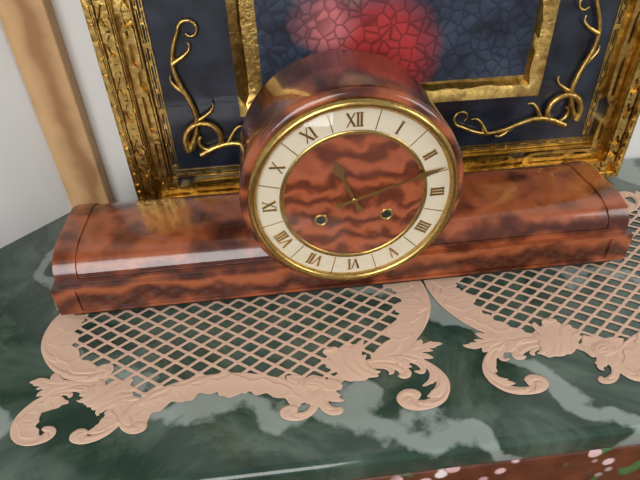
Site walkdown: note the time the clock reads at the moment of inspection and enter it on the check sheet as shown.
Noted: 11:12
